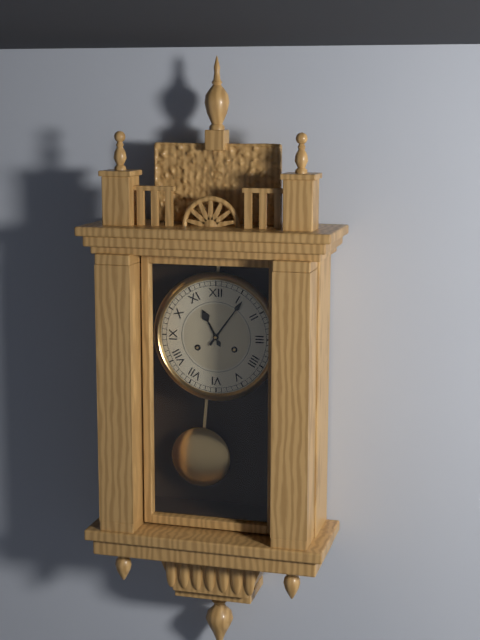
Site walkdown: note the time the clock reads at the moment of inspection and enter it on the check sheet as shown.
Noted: 11:06
